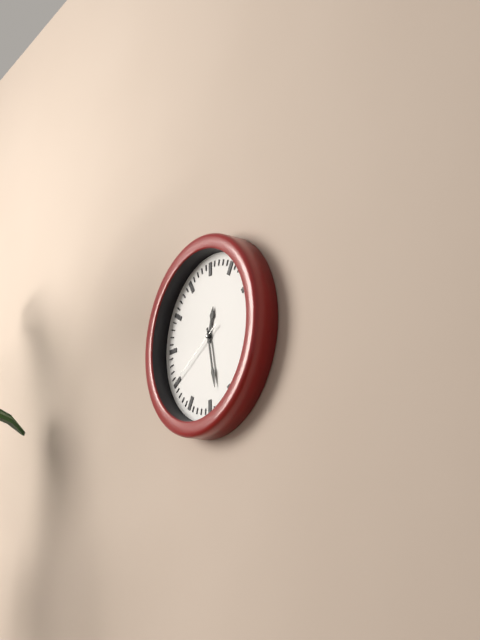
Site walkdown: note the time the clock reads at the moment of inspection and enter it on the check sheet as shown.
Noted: 12:28:40
